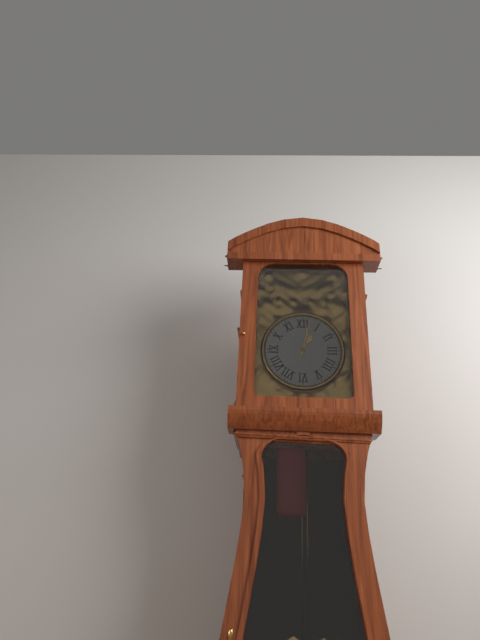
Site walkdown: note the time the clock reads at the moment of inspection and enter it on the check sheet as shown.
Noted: 1:02
